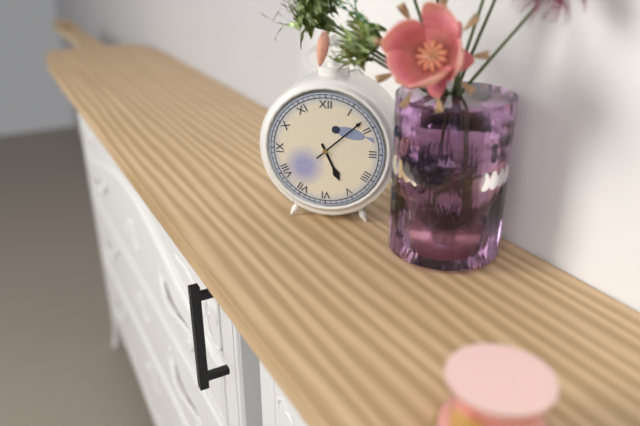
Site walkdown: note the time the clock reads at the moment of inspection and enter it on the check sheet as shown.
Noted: 5:08
